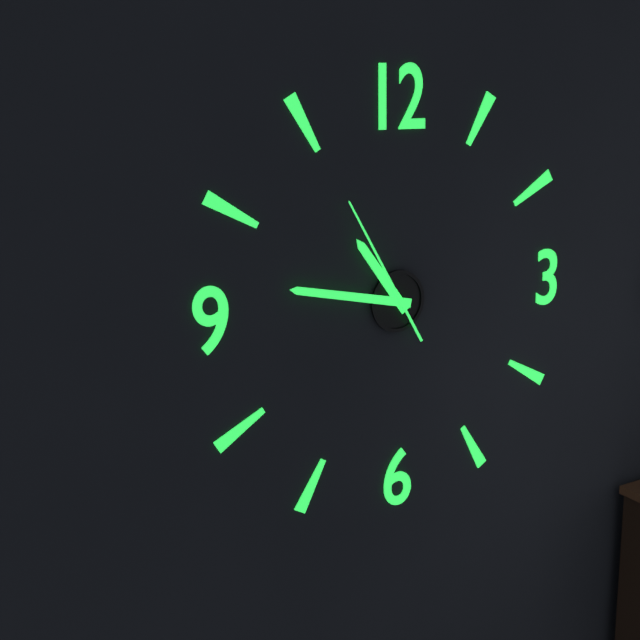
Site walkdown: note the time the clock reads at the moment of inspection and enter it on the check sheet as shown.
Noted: 10:47:55
